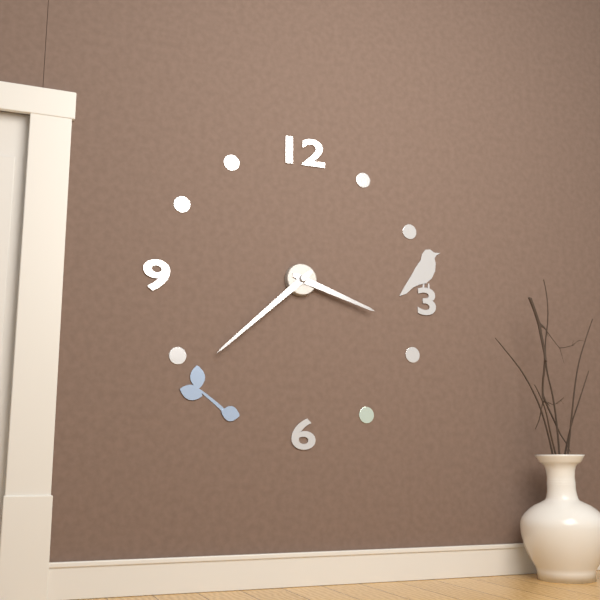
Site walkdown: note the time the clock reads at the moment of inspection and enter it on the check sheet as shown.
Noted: 3:38
